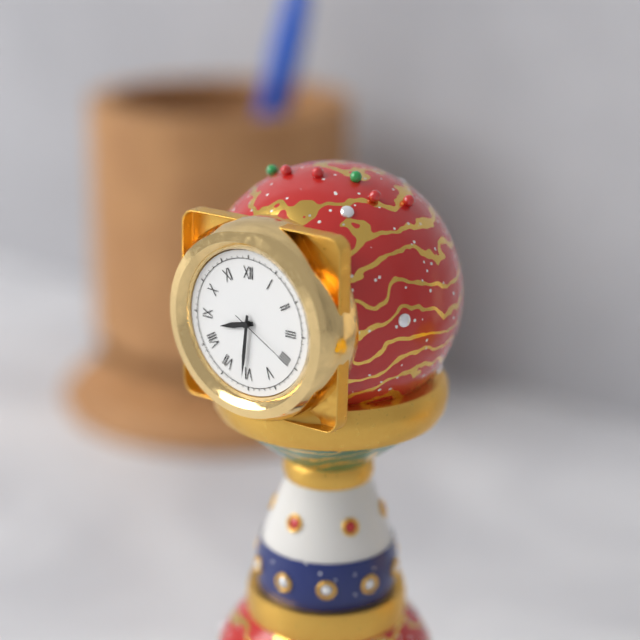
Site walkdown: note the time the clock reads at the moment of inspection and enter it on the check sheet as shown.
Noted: 8:31:20
